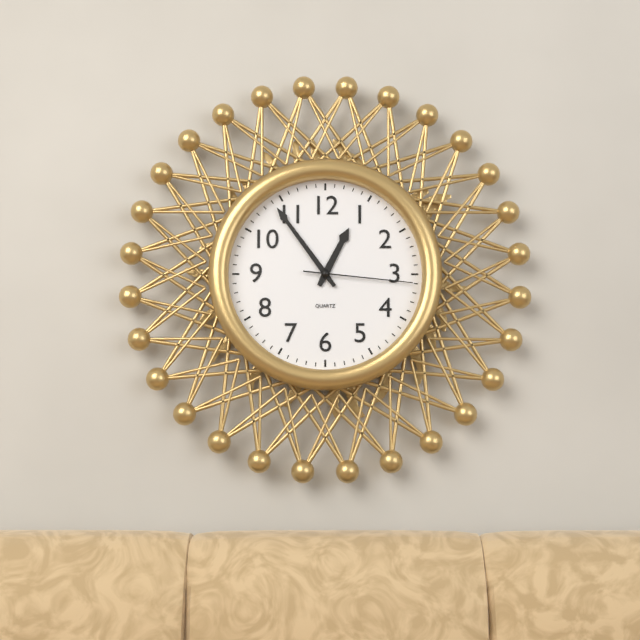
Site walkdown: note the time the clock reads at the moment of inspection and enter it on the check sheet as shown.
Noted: 12:54:16
